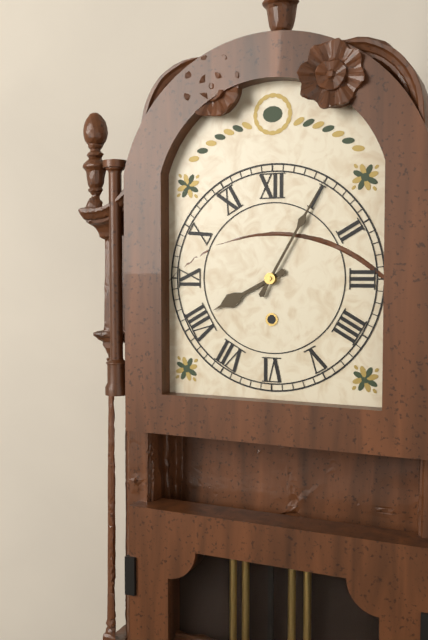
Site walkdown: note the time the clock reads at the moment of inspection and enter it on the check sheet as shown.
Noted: 8:05
